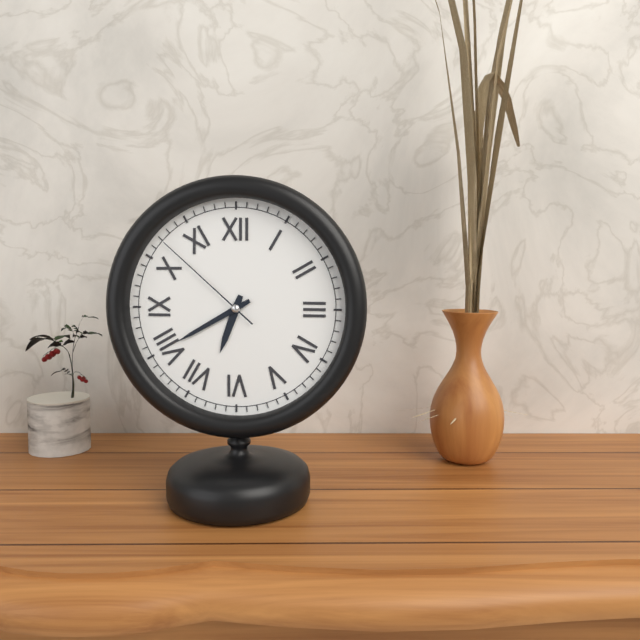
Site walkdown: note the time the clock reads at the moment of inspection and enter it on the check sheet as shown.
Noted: 6:40:52
